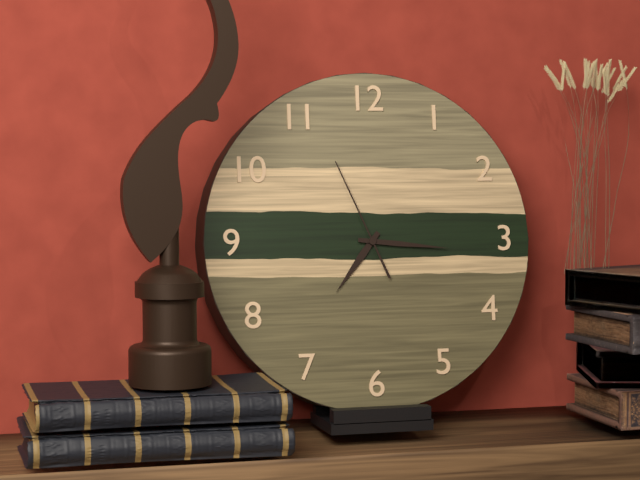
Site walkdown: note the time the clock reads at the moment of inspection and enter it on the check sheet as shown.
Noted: 7:16:56
